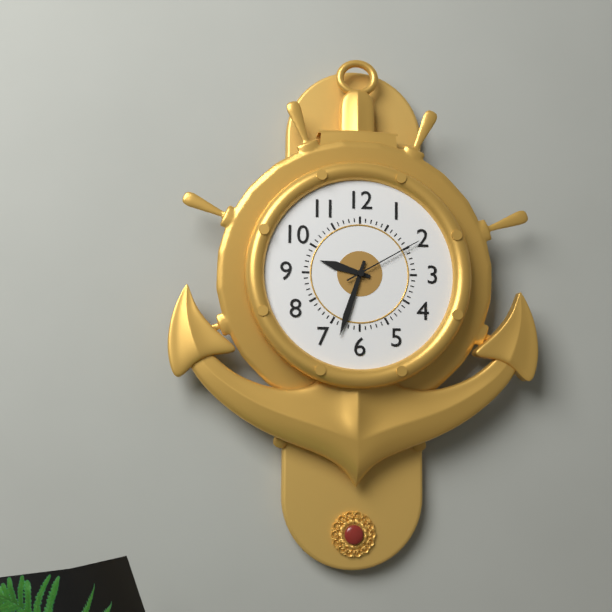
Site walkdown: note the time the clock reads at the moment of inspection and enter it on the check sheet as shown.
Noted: 9:33:10
